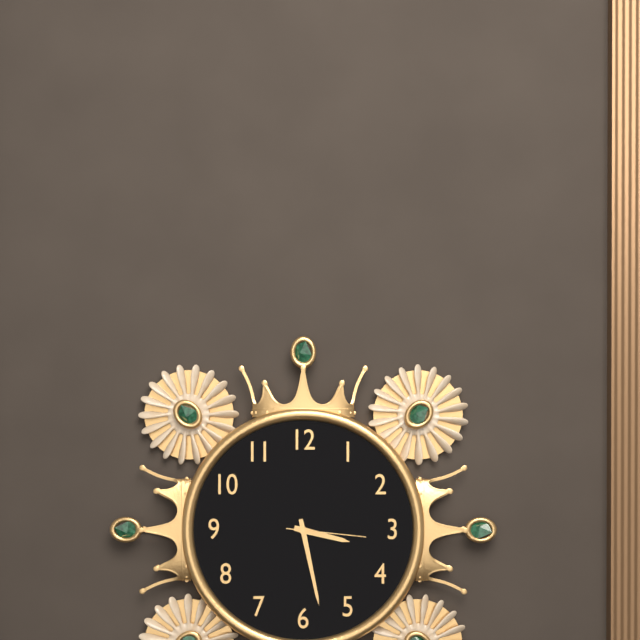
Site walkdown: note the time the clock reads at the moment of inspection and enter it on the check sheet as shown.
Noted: 3:28:16
